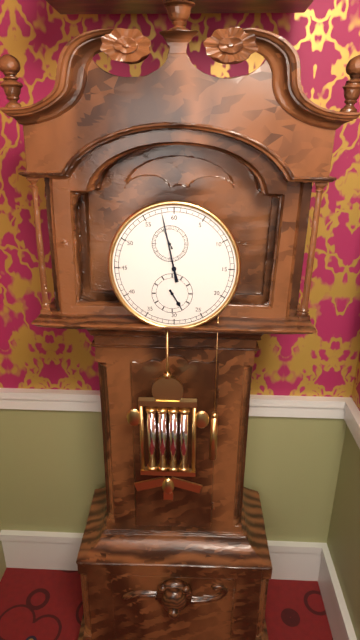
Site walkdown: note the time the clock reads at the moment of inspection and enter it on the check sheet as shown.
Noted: 4:58
